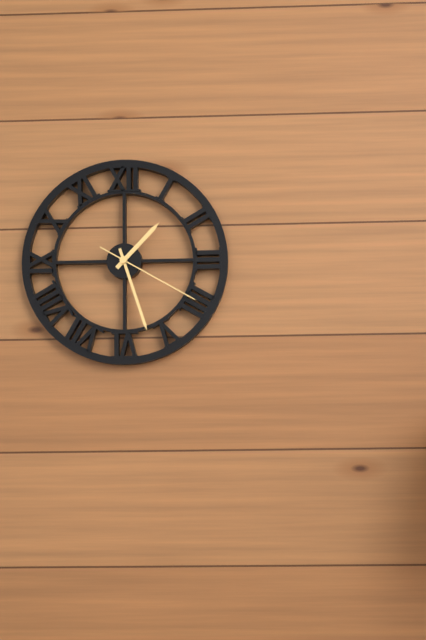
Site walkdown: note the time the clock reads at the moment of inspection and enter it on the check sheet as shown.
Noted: 1:27:20
